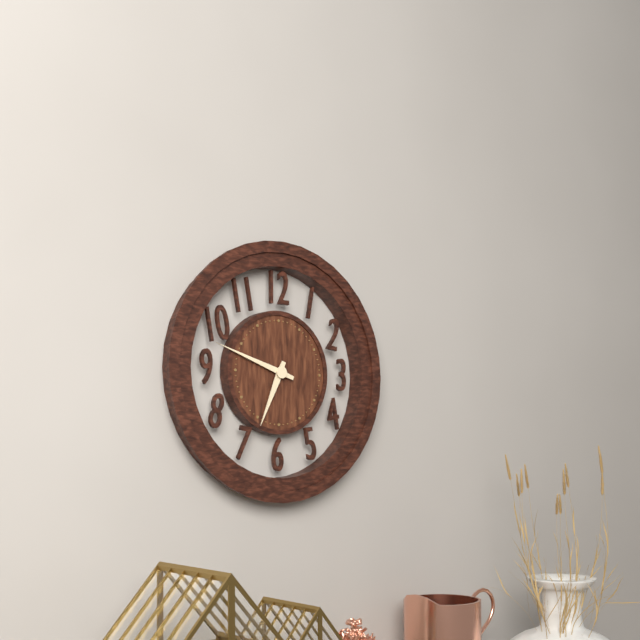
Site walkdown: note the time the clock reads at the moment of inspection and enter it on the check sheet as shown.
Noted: 6:48
